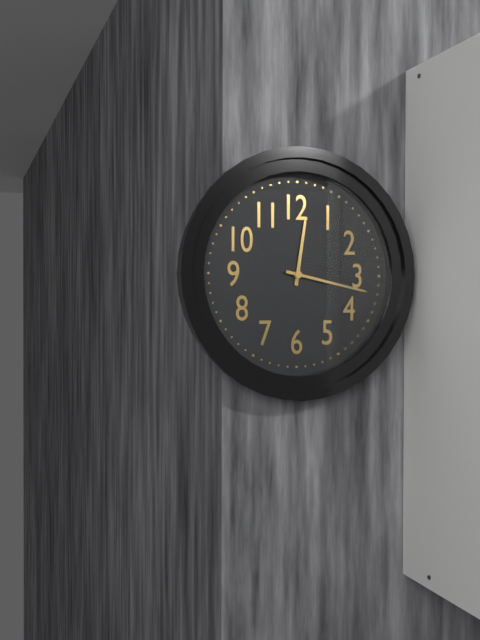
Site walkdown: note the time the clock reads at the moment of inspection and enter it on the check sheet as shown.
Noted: 12:17
